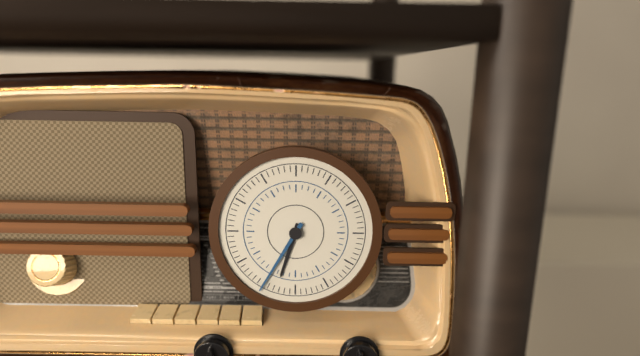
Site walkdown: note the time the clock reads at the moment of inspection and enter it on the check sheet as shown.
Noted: 6:35
